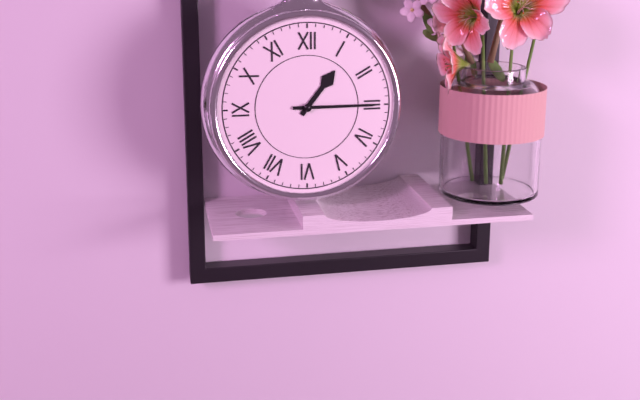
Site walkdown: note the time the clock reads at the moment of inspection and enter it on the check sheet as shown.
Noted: 1:15
